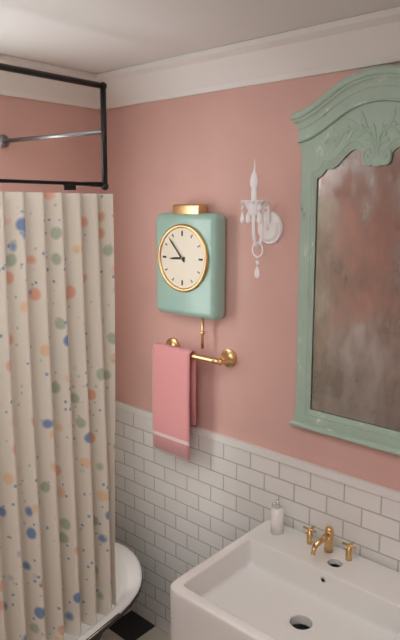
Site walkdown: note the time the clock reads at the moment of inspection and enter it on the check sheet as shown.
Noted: 8:53
